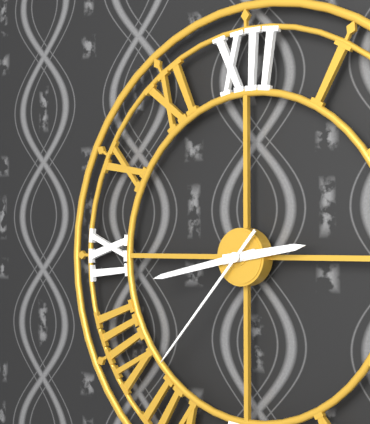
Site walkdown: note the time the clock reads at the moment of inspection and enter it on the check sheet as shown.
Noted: 2:43:37
